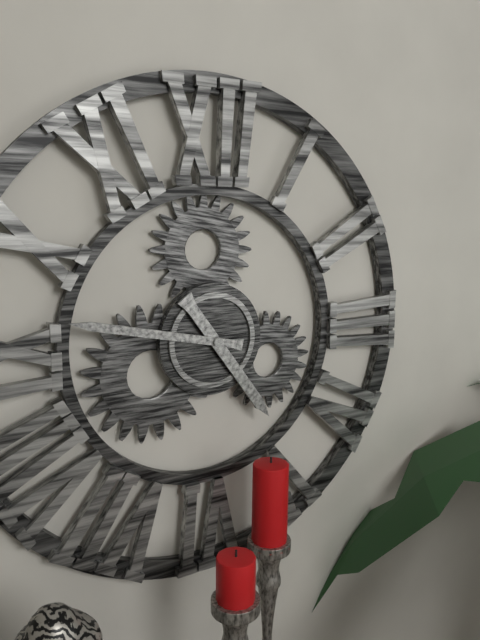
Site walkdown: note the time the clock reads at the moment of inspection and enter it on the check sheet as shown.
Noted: 4:47
